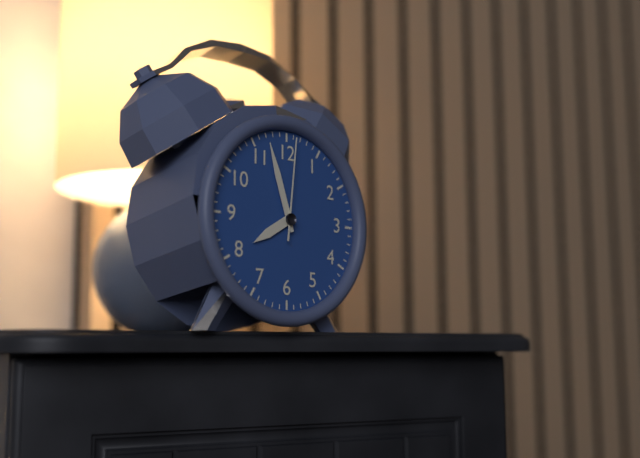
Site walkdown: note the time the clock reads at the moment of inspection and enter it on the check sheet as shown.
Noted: 7:57:01
